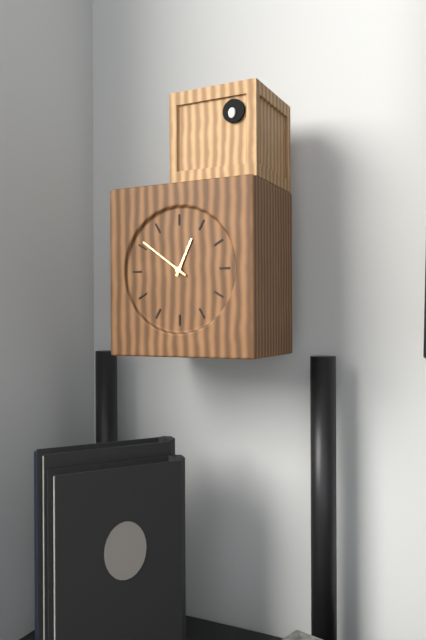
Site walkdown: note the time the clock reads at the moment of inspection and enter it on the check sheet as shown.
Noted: 12:51
